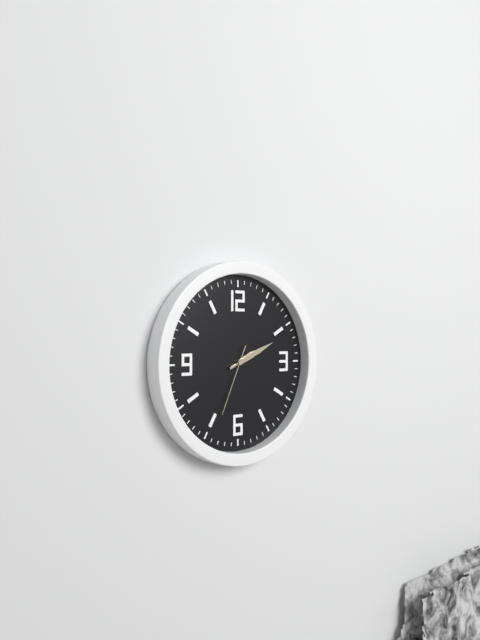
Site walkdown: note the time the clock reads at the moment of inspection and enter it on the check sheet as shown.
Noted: 2:11:34
